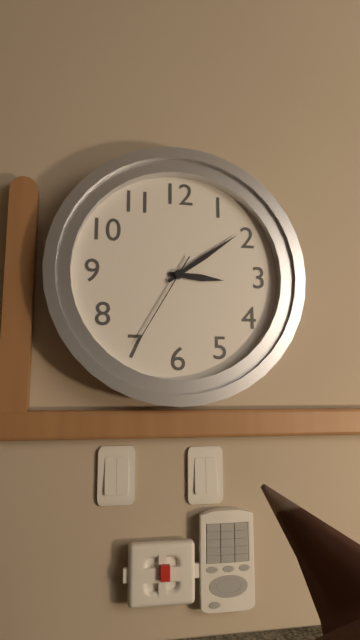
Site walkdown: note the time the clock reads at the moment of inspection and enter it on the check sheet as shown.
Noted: 3:09:35
